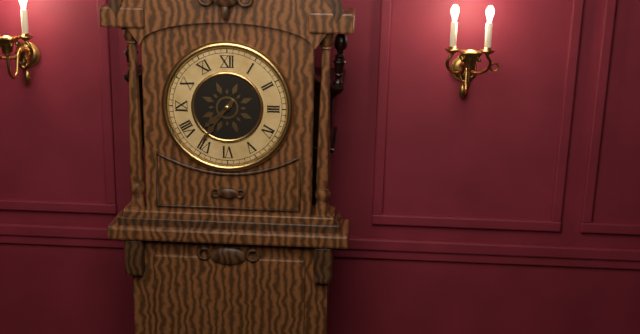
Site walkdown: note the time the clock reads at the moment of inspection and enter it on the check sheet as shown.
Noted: 7:36
